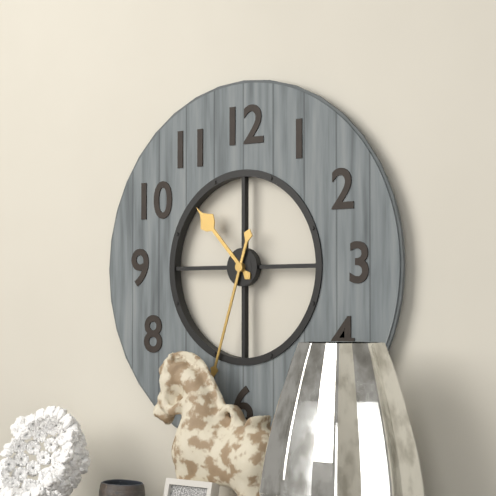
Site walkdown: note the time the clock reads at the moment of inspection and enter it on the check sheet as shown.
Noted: 10:33
